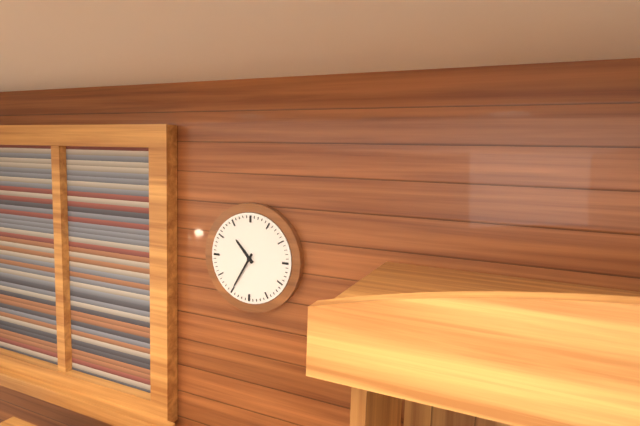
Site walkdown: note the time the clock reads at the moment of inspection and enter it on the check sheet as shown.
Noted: 10:35
